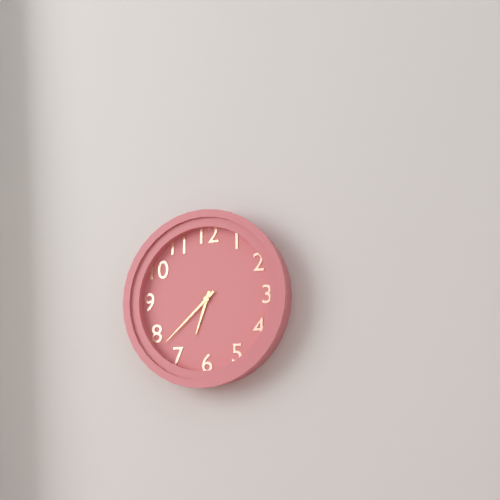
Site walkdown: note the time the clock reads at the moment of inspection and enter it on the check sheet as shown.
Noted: 6:38
